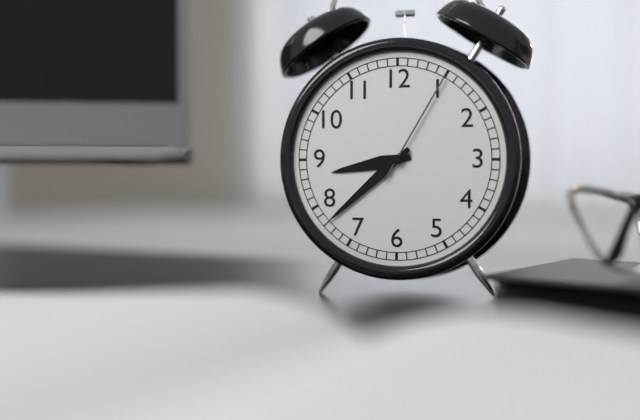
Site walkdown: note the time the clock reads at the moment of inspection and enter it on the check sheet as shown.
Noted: 8:38:05
